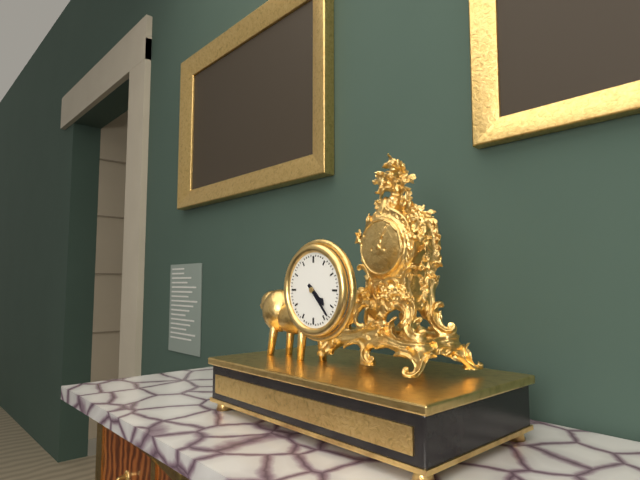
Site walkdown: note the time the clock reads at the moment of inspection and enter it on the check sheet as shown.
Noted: 4:23
